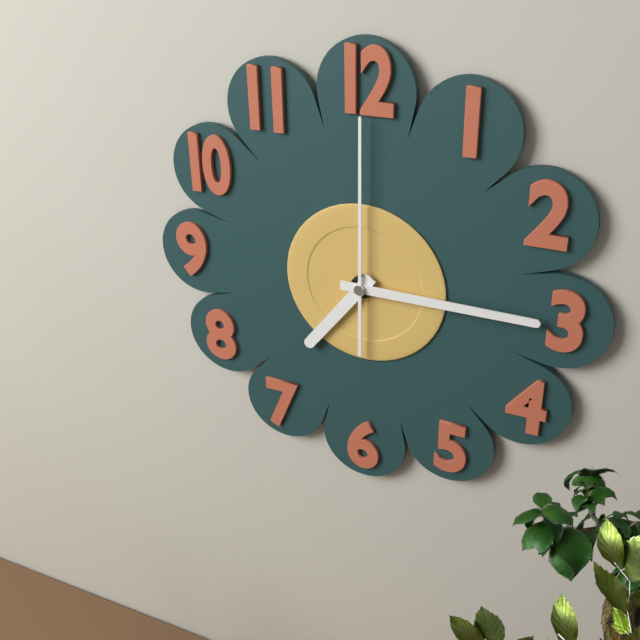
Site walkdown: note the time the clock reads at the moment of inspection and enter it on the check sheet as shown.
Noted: 7:15:00
